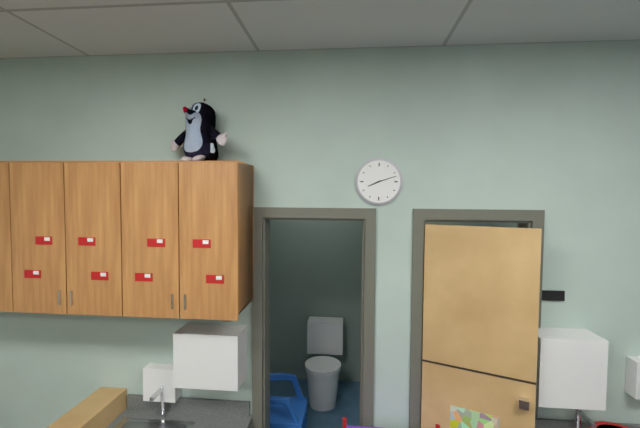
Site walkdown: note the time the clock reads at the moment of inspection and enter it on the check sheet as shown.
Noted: 8:12
